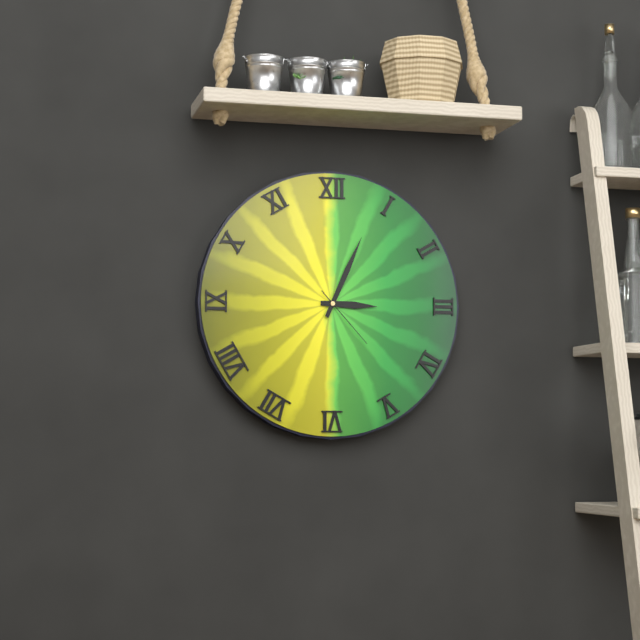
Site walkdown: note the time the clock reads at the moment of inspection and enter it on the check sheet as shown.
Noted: 3:04:23
